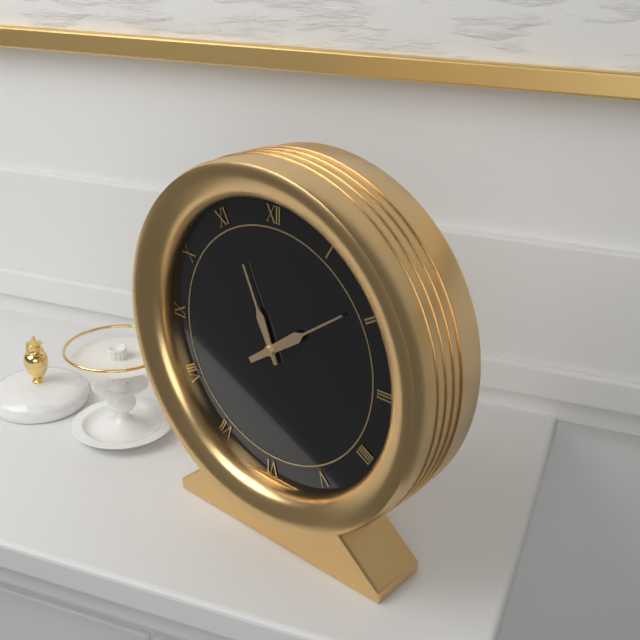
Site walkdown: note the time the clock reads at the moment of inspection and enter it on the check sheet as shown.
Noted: 11:09
